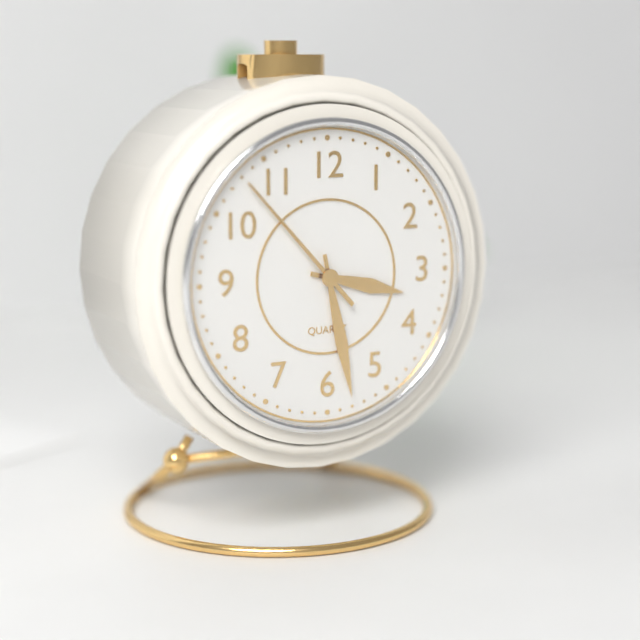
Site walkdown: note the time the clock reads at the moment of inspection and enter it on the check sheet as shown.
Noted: 3:28:53
